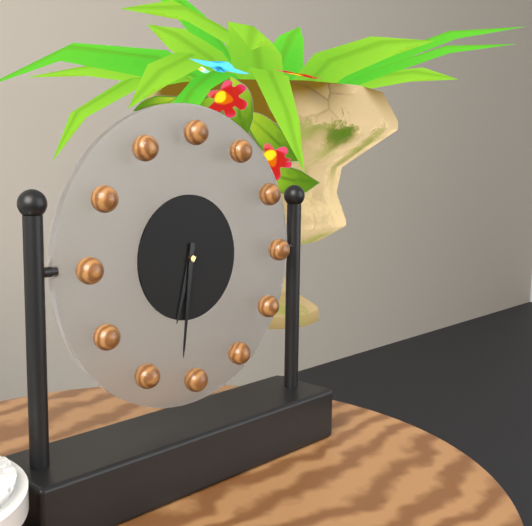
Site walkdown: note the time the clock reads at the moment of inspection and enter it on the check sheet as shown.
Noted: 6:31
